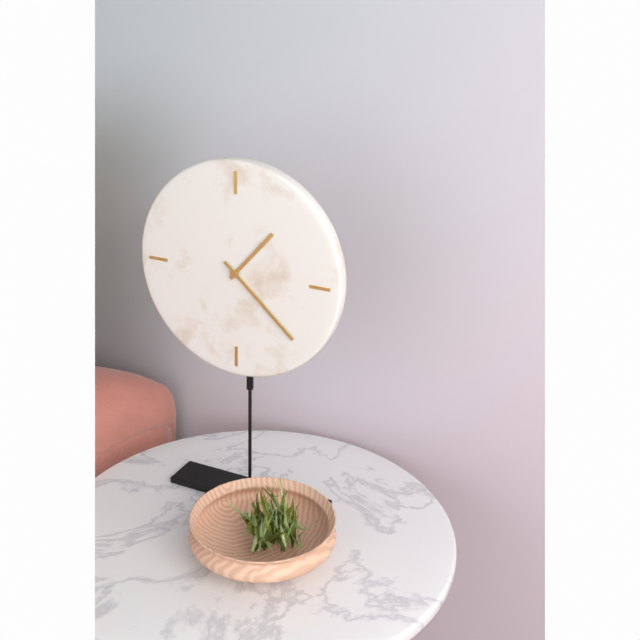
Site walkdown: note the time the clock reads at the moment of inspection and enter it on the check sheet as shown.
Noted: 1:22
